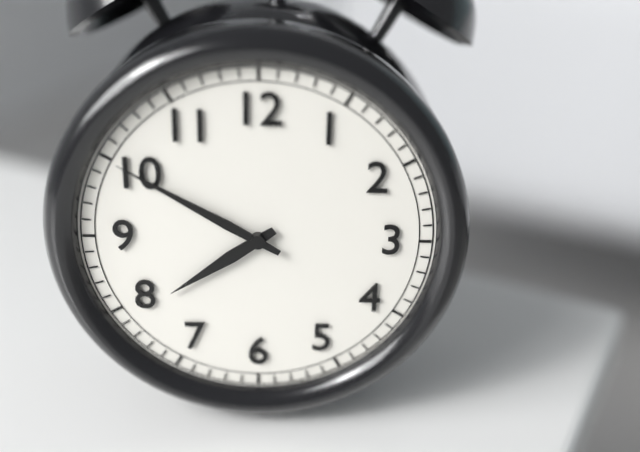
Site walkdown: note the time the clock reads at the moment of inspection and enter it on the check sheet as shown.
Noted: 7:50
